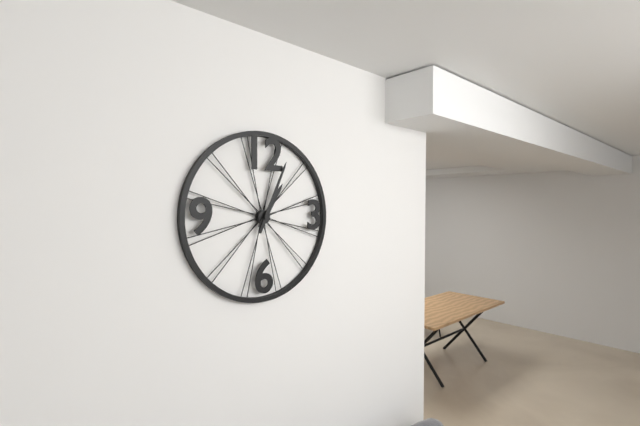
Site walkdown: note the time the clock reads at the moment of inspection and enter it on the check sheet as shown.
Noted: 1:04
